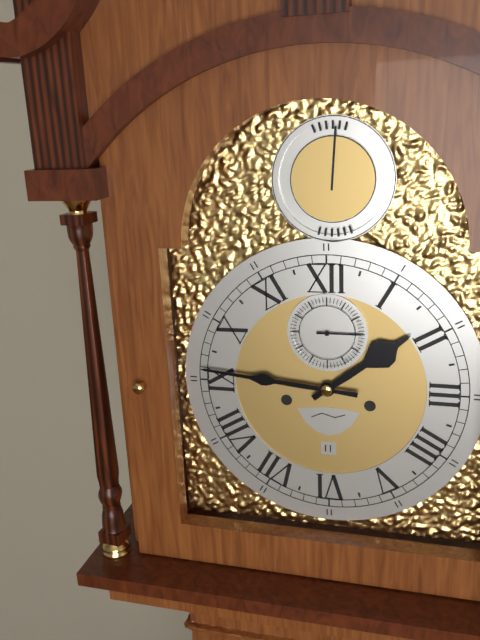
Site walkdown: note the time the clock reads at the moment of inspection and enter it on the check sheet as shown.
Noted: 1:46
